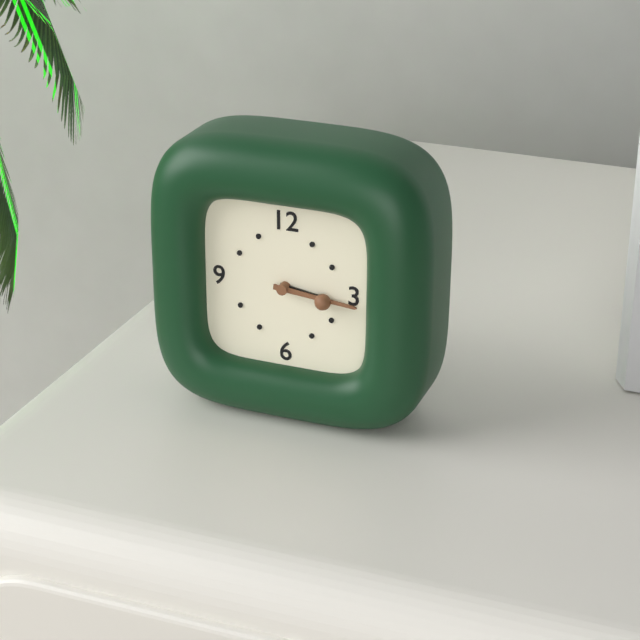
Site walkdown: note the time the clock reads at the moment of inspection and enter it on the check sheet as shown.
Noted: 3:16
